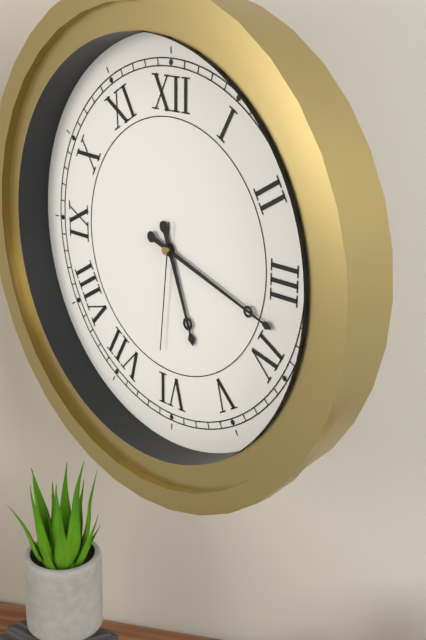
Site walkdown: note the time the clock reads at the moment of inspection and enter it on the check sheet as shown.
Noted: 5:18:31
